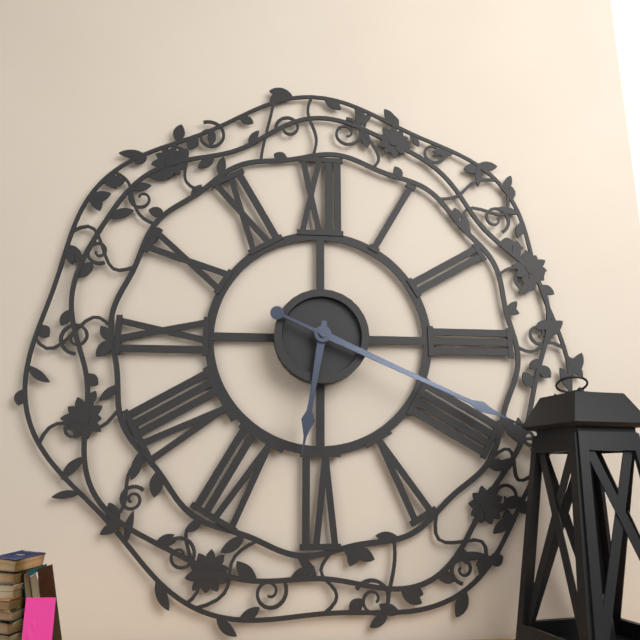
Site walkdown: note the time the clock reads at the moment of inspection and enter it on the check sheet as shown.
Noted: 6:19
